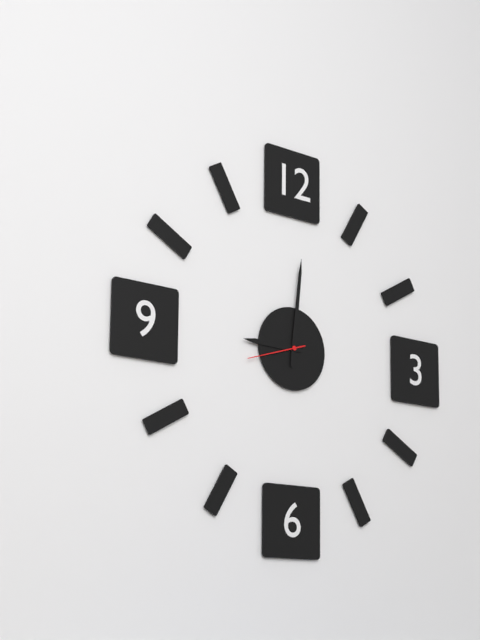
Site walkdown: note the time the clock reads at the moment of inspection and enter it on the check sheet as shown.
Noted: 9:01:42
